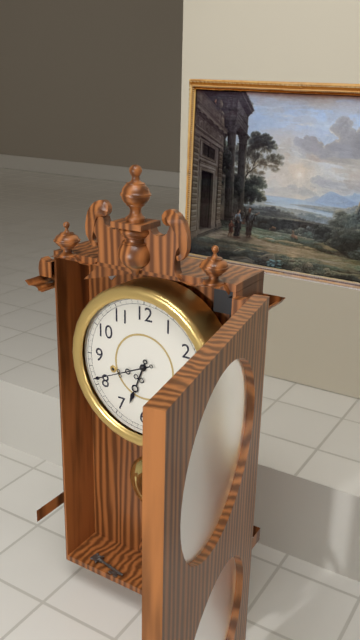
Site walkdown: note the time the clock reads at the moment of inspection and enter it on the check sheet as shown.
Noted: 6:41
